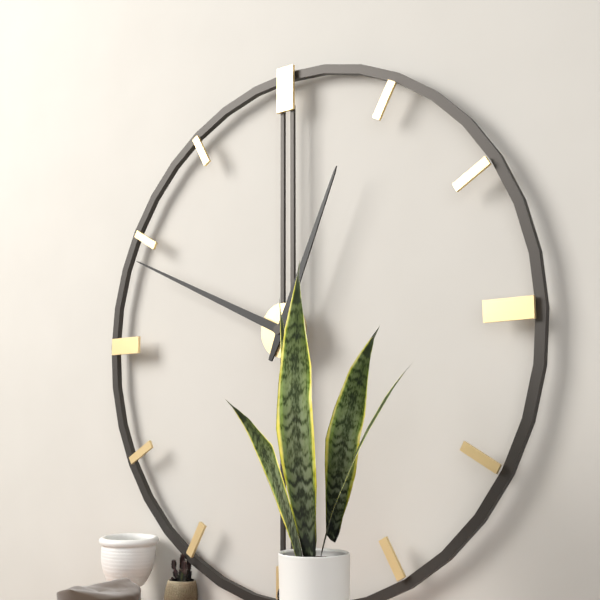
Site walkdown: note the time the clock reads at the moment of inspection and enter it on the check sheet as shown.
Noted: 12:49
